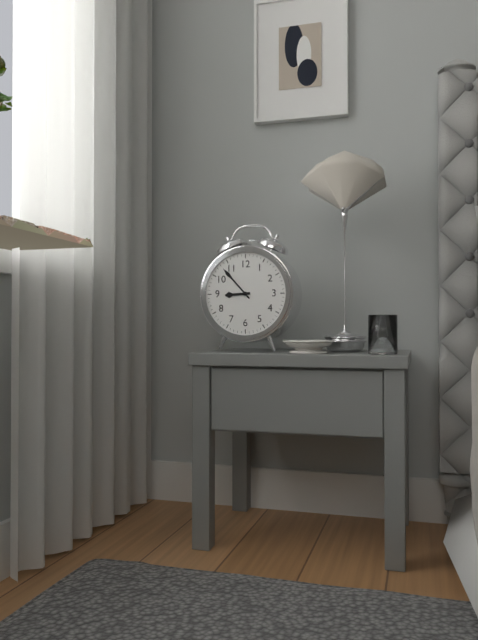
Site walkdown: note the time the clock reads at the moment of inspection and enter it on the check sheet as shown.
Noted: 8:53
